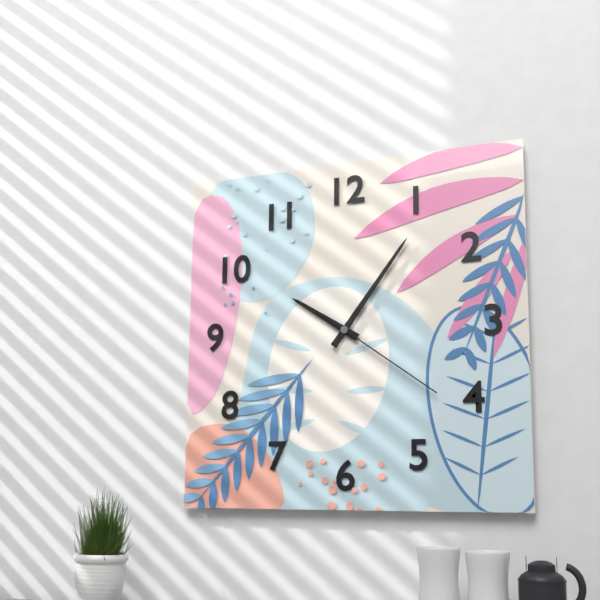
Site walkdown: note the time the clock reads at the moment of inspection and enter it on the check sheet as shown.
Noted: 10:06:21
